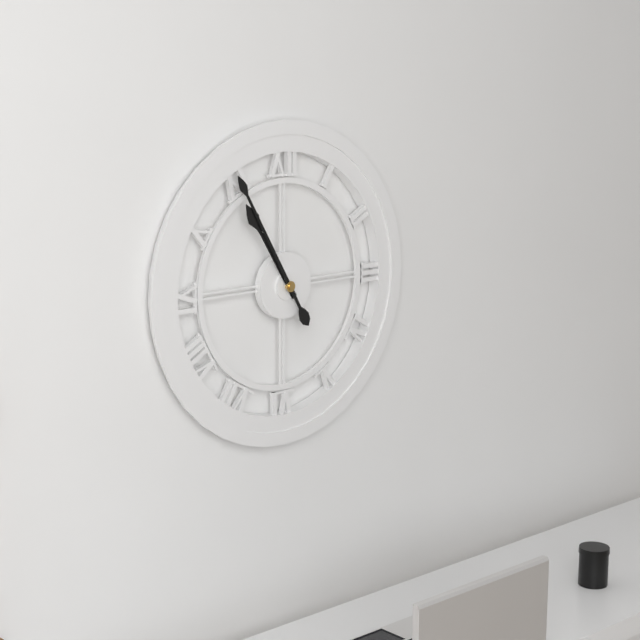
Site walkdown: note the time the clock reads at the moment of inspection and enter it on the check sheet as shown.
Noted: 10:55
